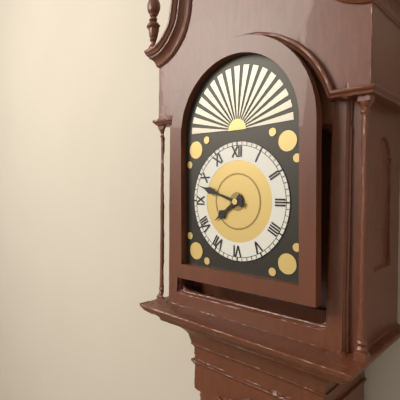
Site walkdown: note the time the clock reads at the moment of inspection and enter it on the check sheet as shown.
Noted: 7:48
